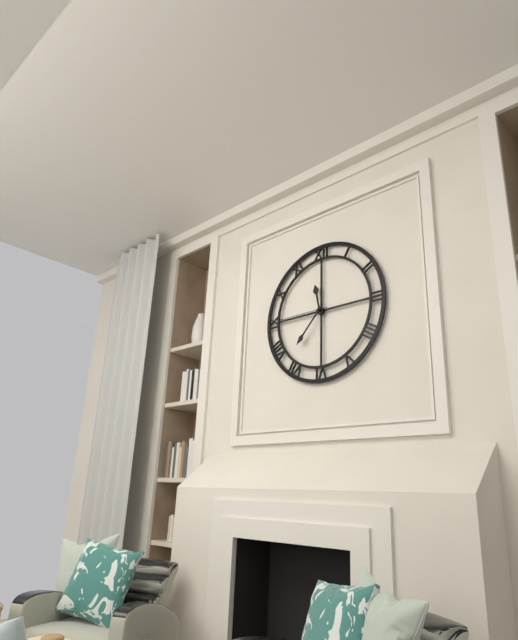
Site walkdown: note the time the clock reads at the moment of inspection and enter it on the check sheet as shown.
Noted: 11:37:45
